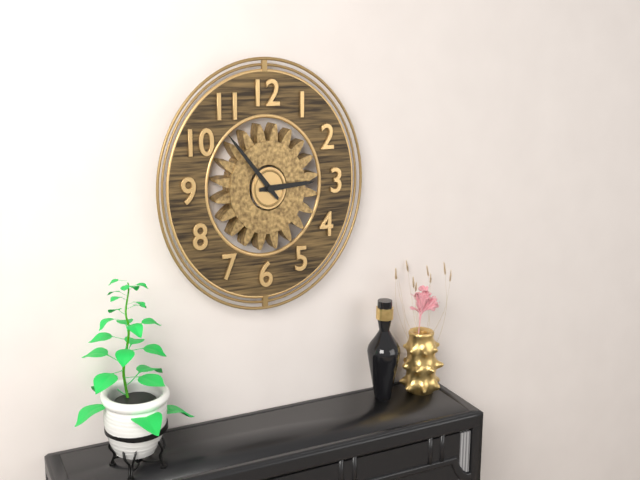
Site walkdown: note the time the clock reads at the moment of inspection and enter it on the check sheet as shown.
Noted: 2:53
